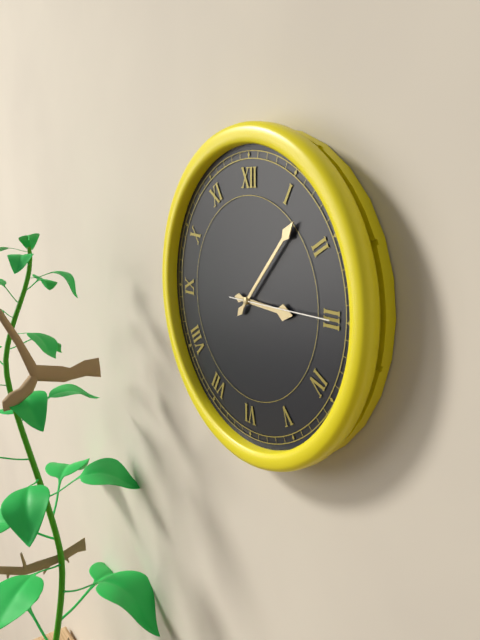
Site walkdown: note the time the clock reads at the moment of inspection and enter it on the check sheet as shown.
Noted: 3:07:15
